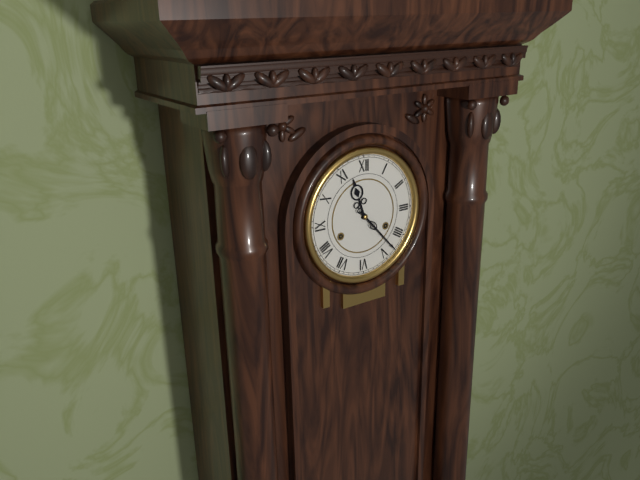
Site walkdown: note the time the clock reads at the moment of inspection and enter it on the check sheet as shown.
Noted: 11:23
